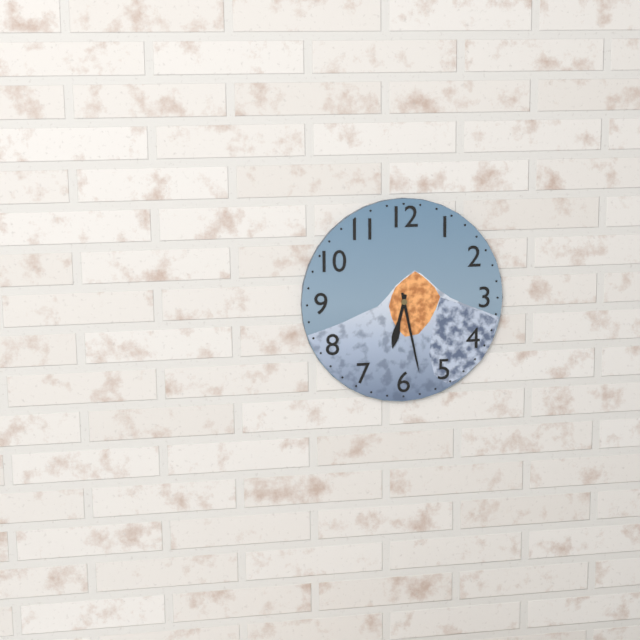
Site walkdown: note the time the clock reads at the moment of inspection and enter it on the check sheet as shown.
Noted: 6:28
